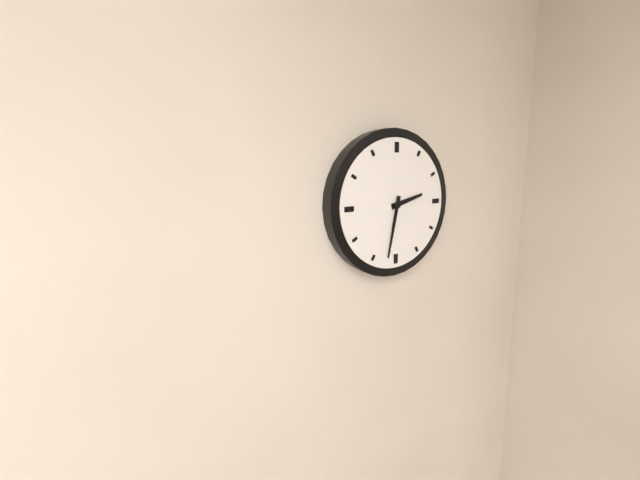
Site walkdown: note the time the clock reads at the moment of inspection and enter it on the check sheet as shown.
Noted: 2:32
